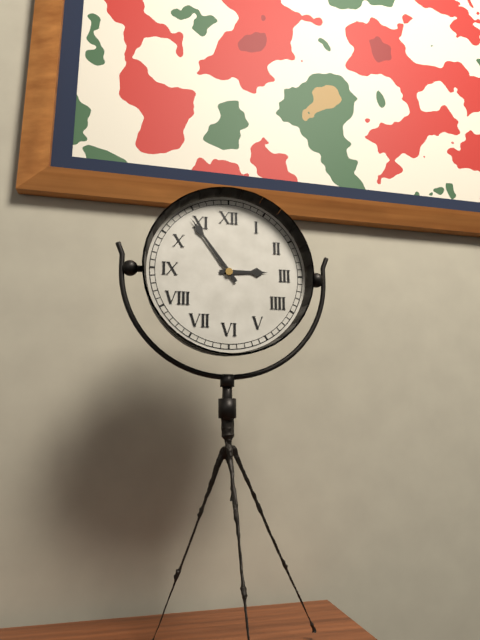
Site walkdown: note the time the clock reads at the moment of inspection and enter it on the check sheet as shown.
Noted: 2:54
